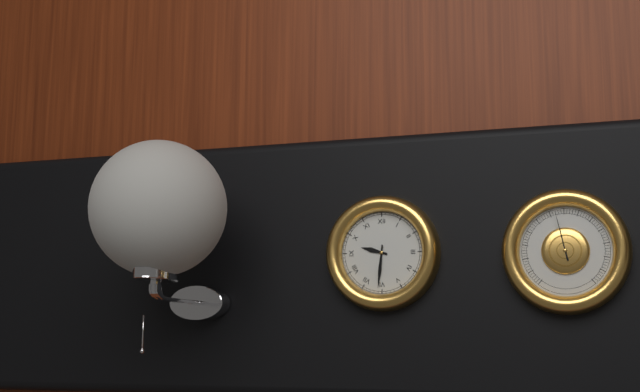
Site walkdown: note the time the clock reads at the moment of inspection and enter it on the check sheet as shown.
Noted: 9:31
